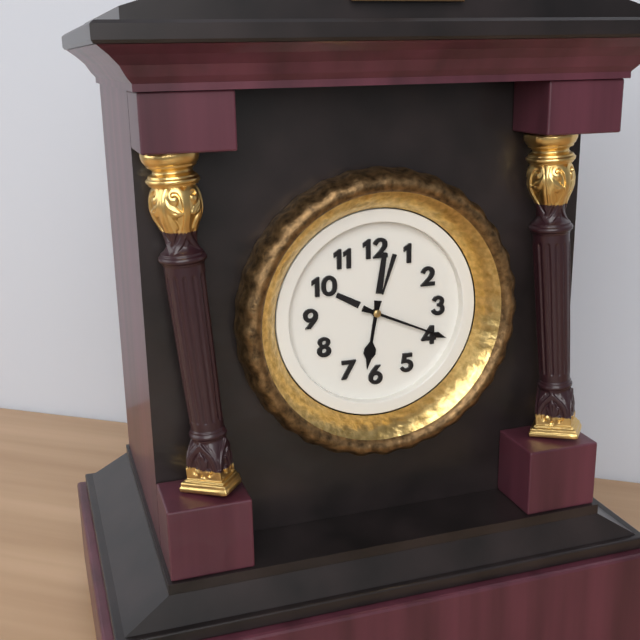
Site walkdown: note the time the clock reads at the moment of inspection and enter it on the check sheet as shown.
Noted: 6:19
